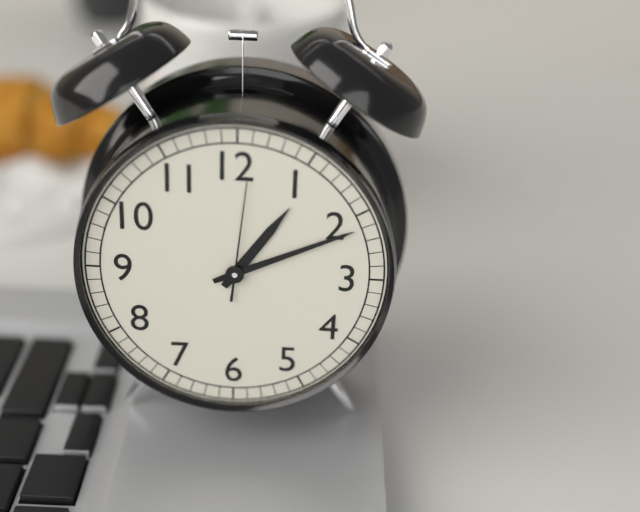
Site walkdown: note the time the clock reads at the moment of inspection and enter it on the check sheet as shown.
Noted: 1:11:01
